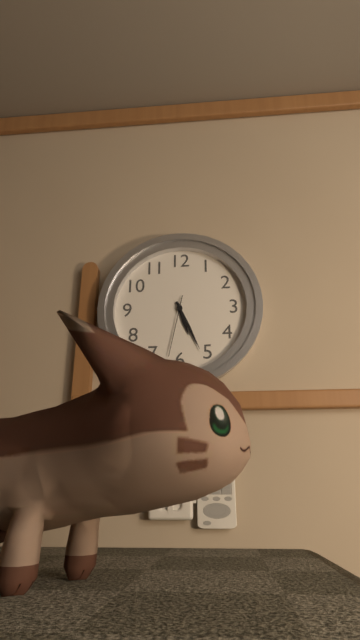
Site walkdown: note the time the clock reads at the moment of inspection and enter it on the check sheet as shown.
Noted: 5:26:32
